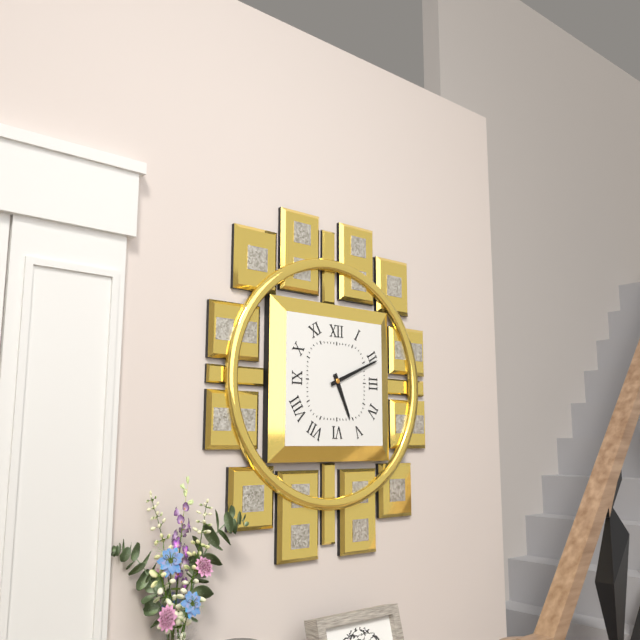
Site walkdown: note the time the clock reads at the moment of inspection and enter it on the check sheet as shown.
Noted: 5:11
